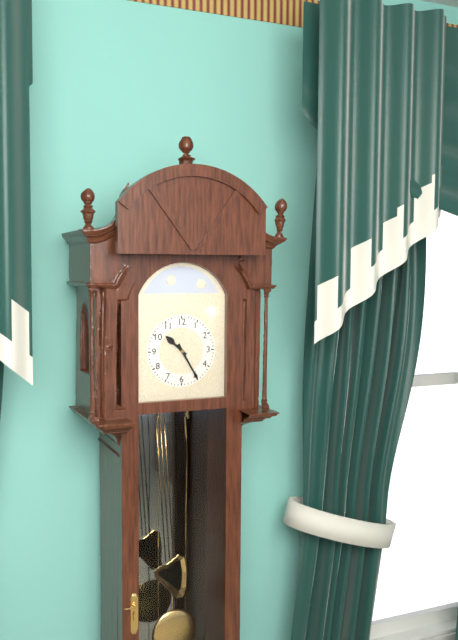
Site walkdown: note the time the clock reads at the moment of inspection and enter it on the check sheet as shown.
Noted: 10:25
